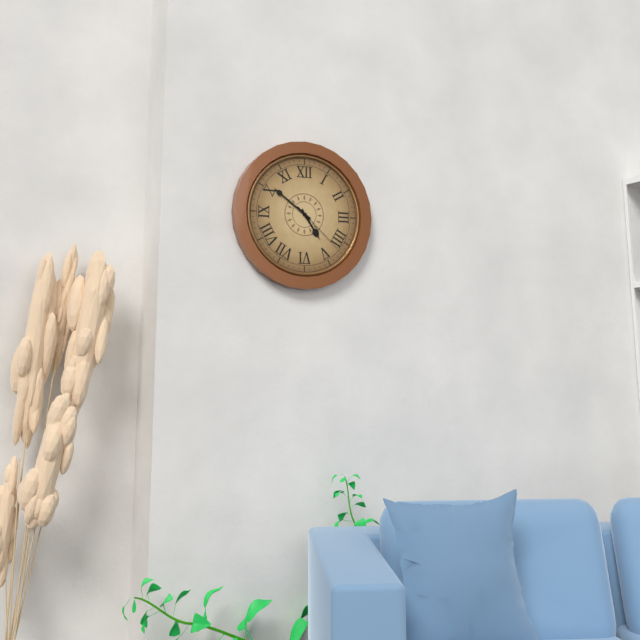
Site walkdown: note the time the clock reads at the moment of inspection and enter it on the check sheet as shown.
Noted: 4:51:22
